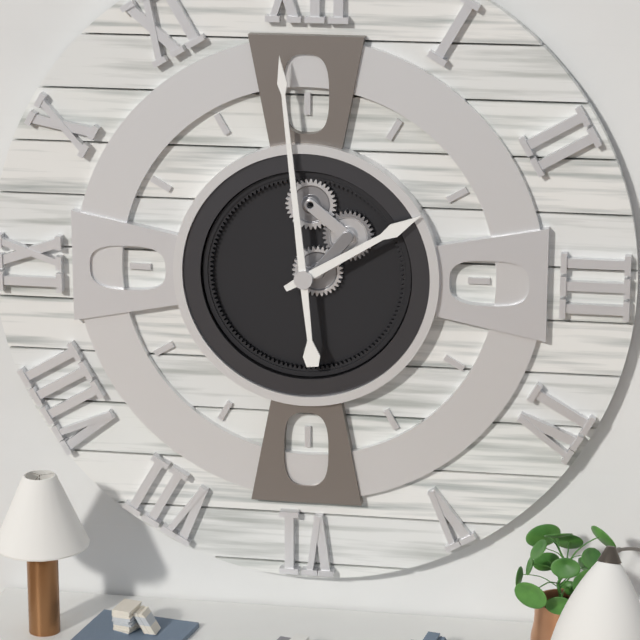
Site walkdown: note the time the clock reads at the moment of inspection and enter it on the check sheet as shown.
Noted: 1:59
